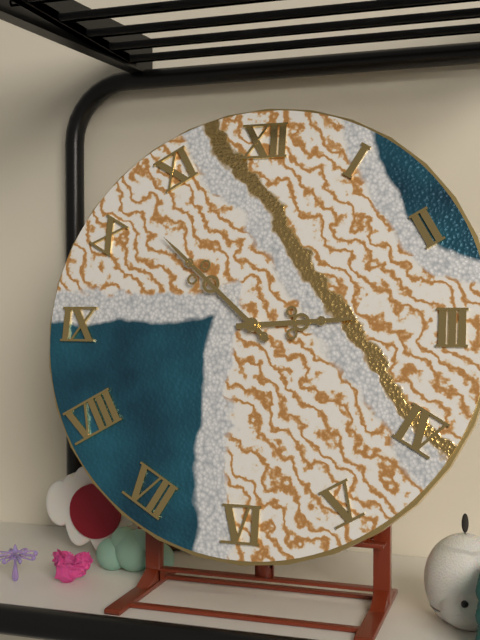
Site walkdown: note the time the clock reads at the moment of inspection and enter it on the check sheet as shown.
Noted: 2:52
